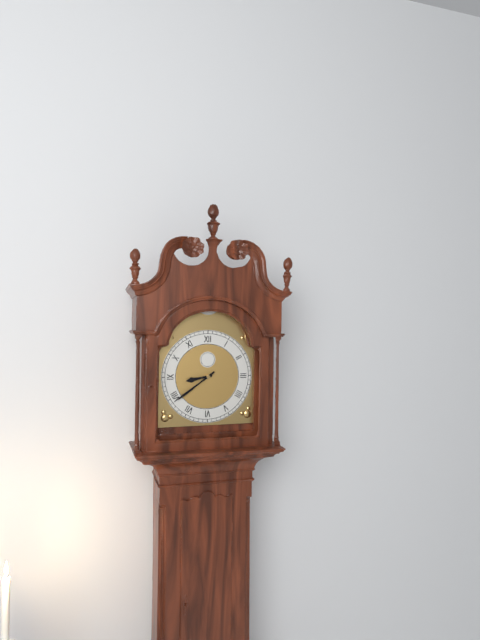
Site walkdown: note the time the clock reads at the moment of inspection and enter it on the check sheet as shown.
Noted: 8:39
